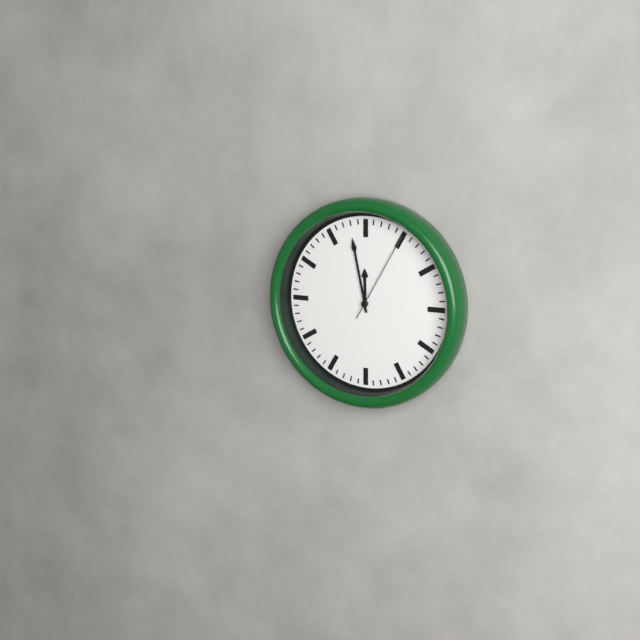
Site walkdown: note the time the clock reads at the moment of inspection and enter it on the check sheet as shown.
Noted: 11:58:05
